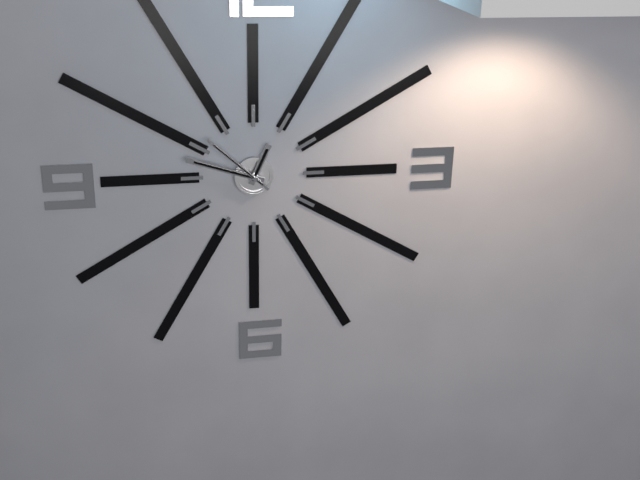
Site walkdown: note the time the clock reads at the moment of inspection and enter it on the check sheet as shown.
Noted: 12:48:52
